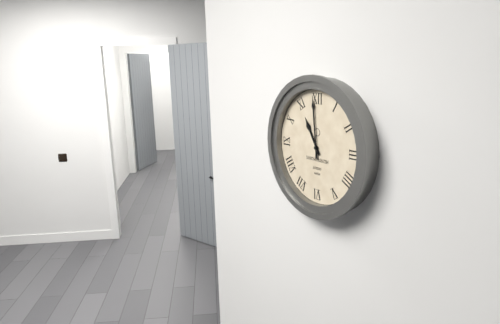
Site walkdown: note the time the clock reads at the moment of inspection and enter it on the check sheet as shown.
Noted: 10:59
